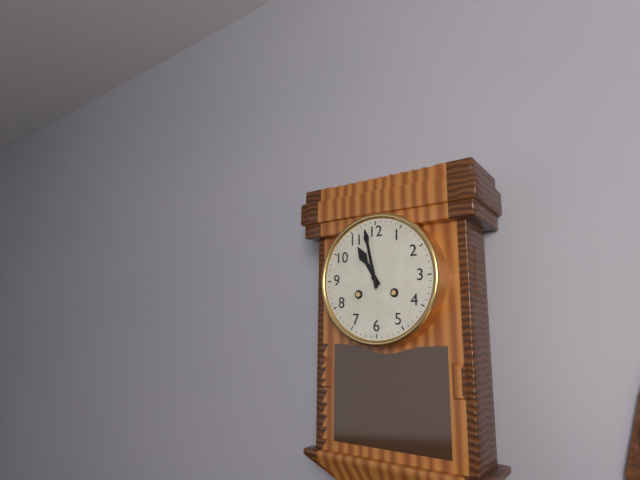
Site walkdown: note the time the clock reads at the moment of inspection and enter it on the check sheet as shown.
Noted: 10:58
